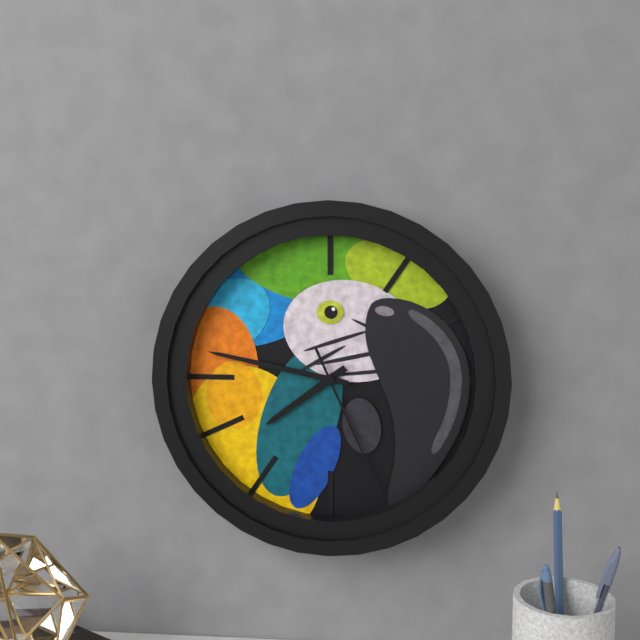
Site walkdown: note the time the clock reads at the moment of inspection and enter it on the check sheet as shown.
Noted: 7:47:26
